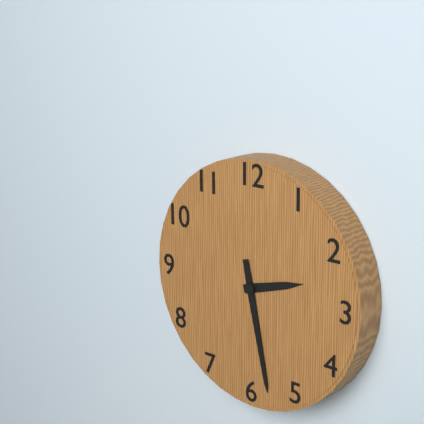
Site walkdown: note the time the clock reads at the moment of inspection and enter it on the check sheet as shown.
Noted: 2:28
